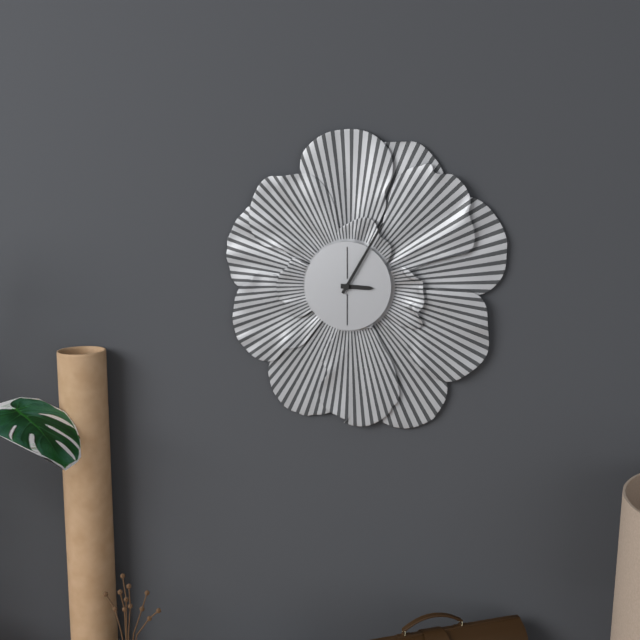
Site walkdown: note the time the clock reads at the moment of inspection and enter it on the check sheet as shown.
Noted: 3:05
